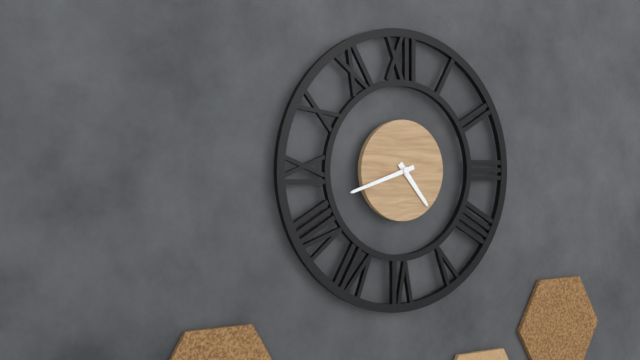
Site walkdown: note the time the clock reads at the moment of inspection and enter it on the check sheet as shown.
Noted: 4:42
